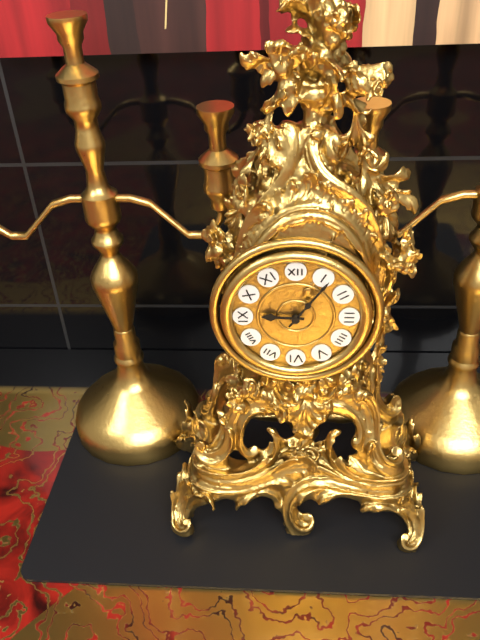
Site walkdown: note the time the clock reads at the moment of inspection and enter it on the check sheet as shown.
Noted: 9:06
